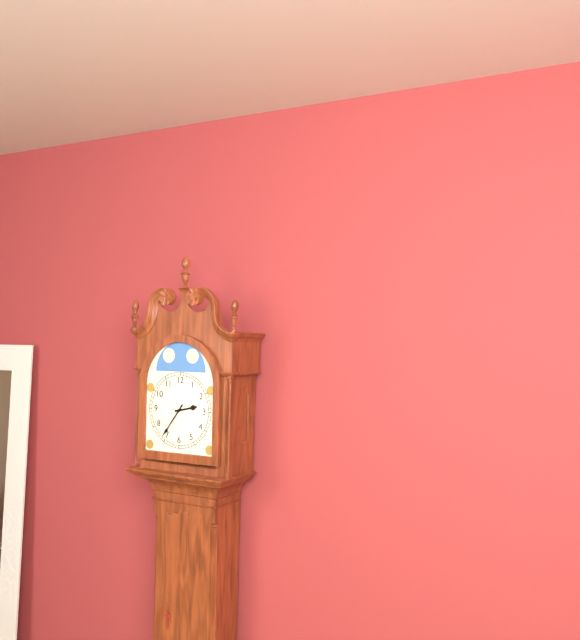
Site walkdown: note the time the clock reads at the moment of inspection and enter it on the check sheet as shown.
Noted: 2:36
